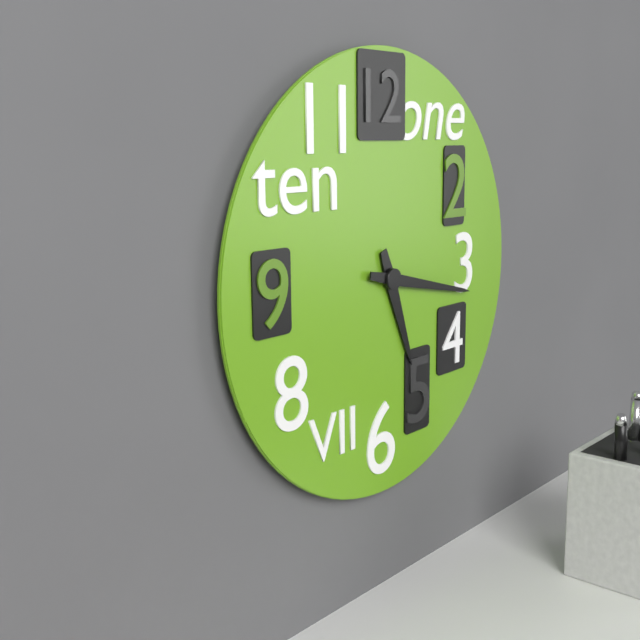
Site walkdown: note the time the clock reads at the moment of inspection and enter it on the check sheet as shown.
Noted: 5:17
